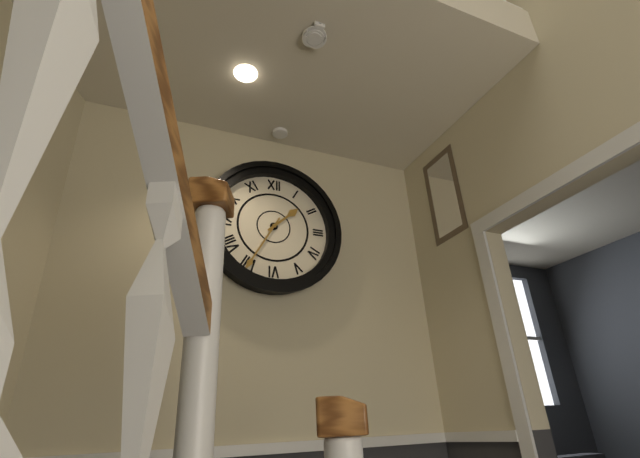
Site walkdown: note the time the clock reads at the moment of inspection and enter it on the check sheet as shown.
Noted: 1:35
